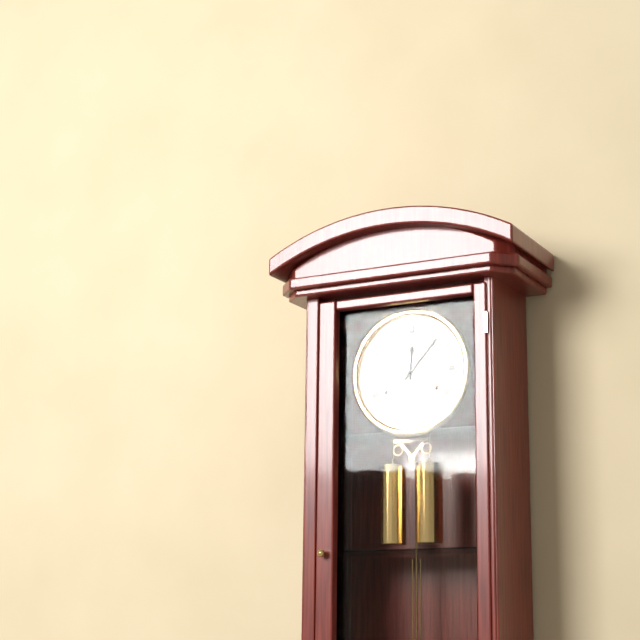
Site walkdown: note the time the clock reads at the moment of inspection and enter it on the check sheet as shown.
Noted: 12:07
